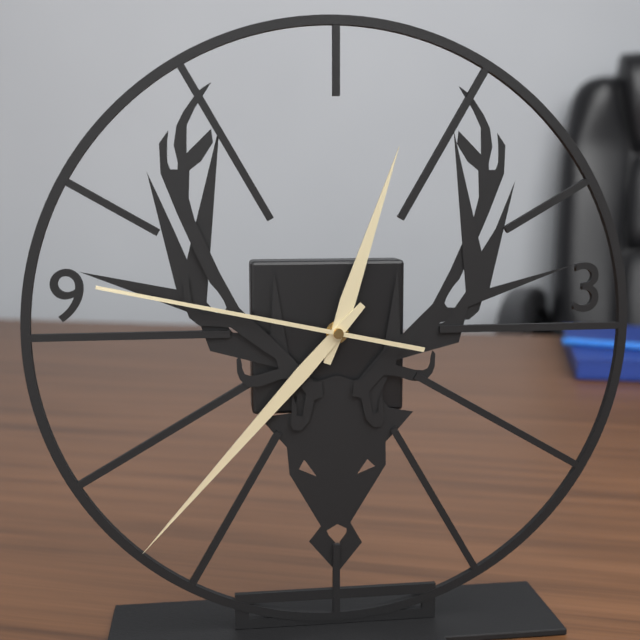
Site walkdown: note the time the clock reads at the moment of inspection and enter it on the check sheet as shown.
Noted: 12:37:47
